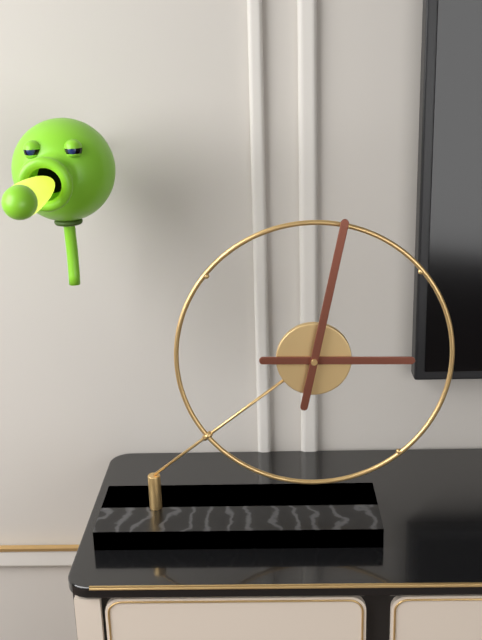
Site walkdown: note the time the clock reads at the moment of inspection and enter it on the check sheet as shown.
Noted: 3:02
